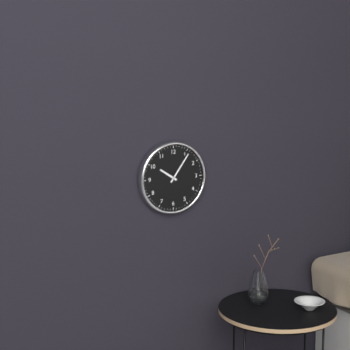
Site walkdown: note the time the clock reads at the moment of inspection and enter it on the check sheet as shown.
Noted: 10:06
